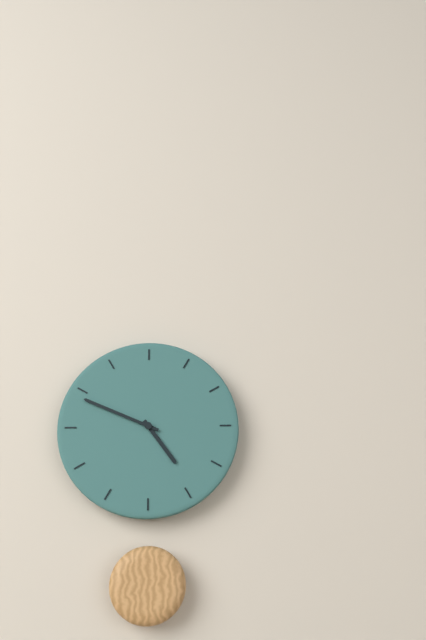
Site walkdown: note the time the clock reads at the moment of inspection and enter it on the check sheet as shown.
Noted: 4:49
